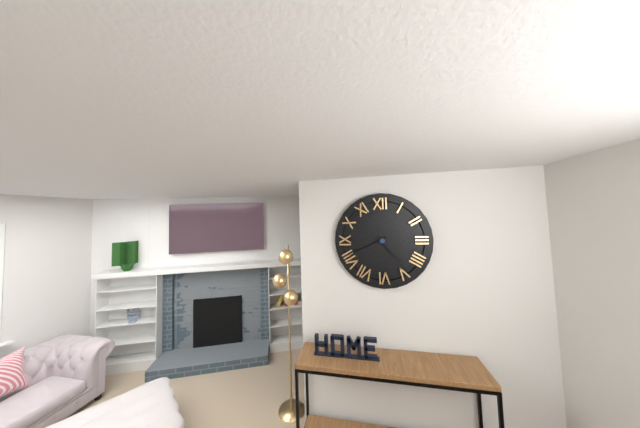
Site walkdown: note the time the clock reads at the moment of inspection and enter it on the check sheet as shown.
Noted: 4:41
